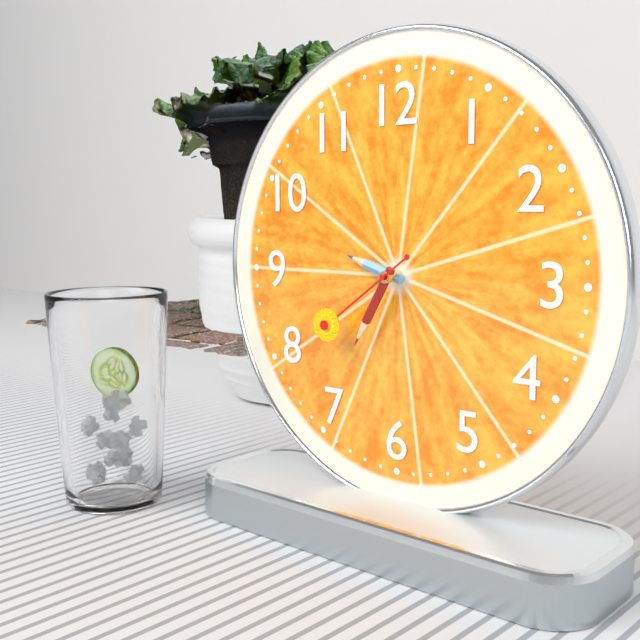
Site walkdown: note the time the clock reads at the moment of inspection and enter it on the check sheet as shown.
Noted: 9:35:39
